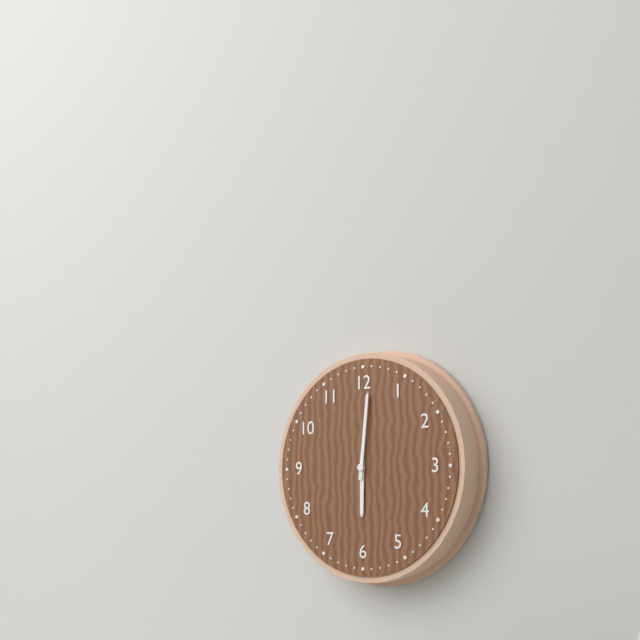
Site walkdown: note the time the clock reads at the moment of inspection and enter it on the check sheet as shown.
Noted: 6:01
